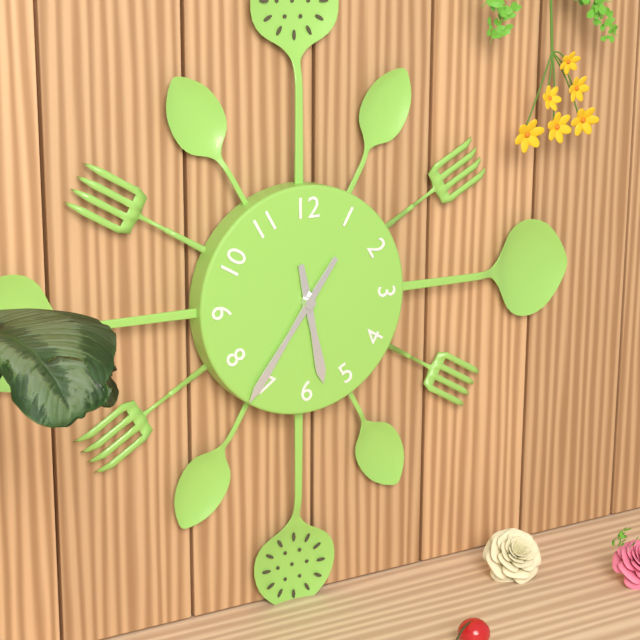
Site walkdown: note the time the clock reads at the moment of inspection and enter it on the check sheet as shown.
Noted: 5:36
